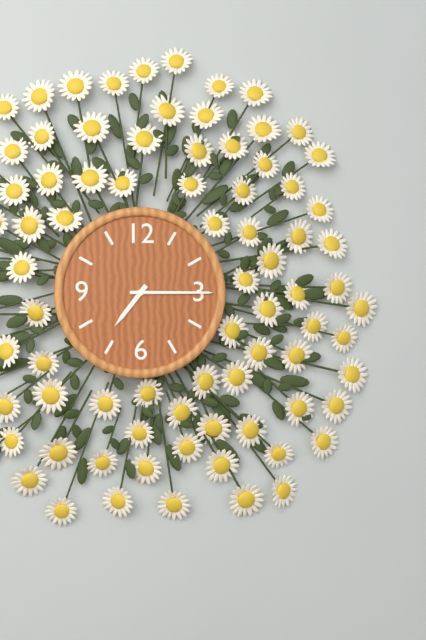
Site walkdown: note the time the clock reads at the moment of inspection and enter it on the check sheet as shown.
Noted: 7:15
